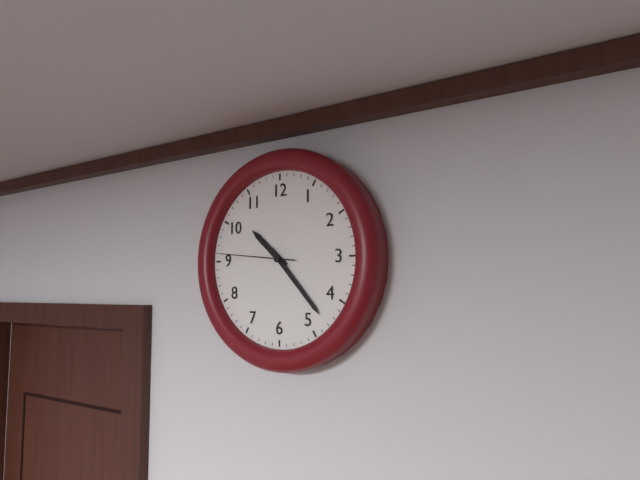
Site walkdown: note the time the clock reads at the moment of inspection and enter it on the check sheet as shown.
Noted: 10:23:46
